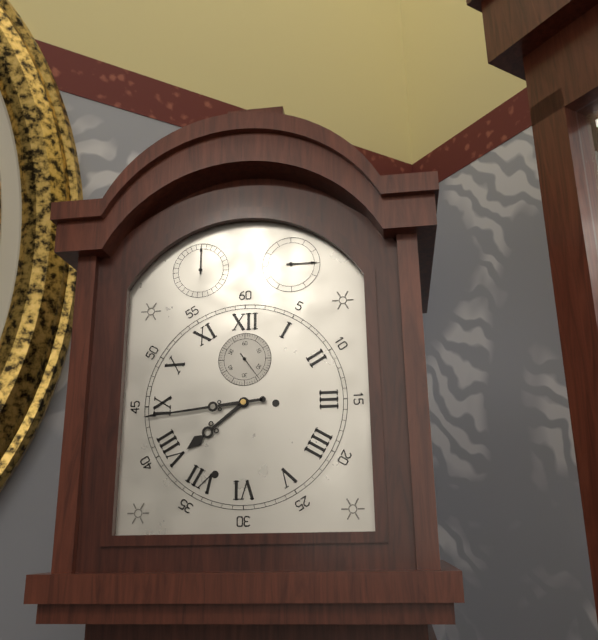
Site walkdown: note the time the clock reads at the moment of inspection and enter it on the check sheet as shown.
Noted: 7:44
